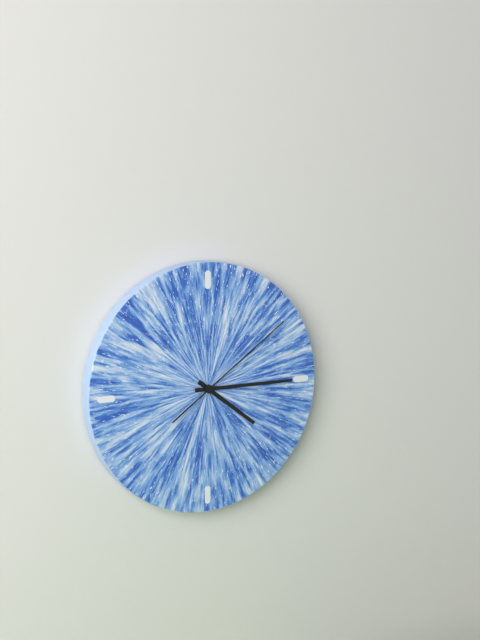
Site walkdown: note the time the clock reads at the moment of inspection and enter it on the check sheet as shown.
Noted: 4:15:09
